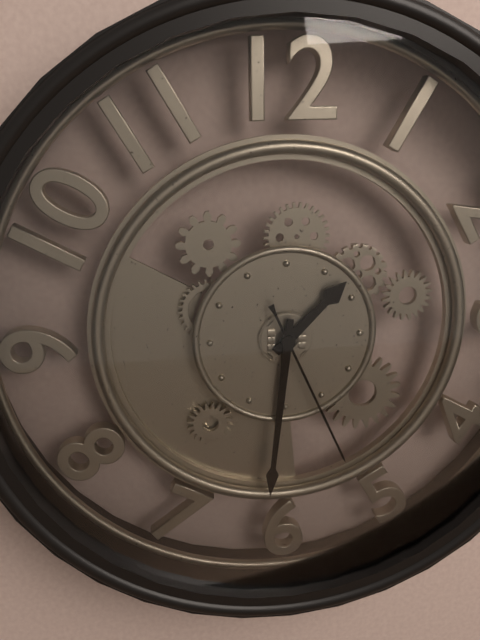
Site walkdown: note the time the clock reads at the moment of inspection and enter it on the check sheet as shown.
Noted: 1:31:26
